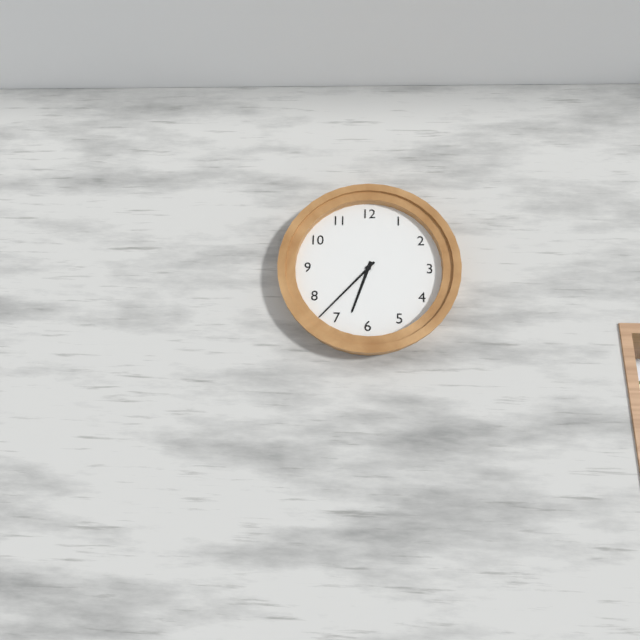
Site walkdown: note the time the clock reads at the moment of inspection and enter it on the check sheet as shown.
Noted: 6:37
